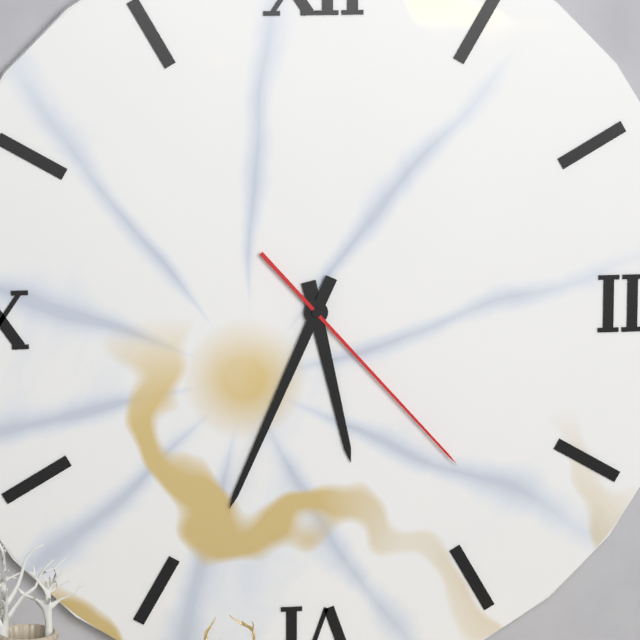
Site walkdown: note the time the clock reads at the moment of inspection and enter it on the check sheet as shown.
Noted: 5:34:23
